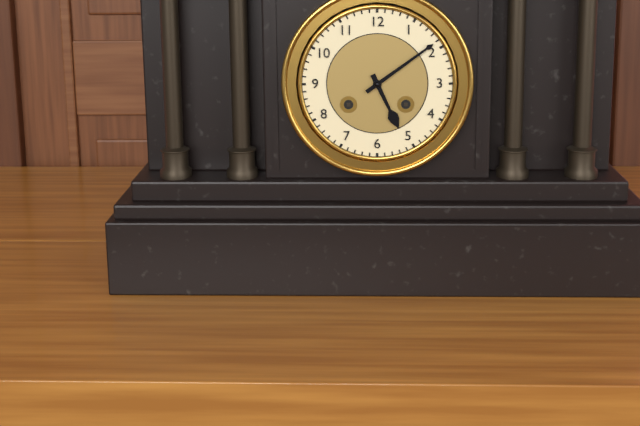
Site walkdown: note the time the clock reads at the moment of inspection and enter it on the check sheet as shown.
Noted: 5:09
